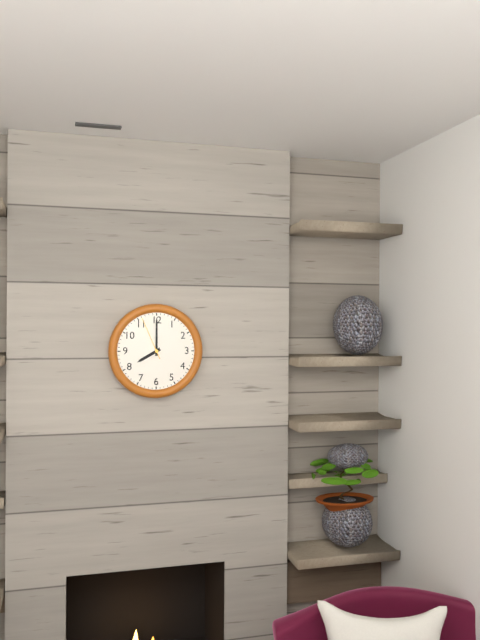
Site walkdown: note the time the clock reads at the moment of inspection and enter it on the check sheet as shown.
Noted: 8:00
